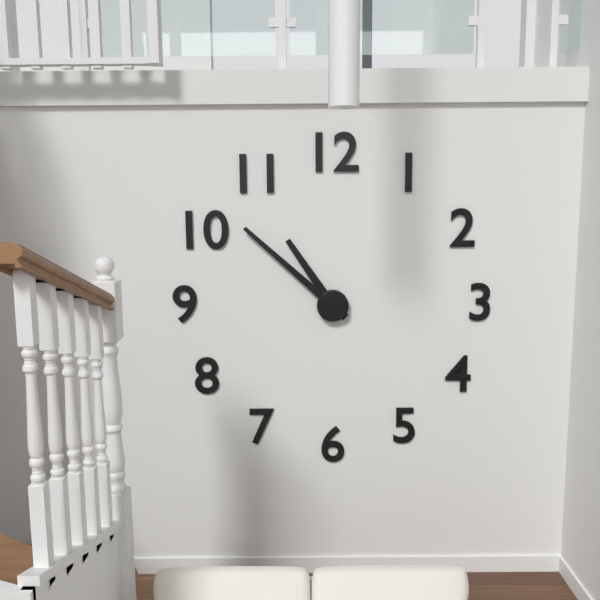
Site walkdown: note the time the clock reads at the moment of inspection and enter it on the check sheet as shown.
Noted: 10:52
